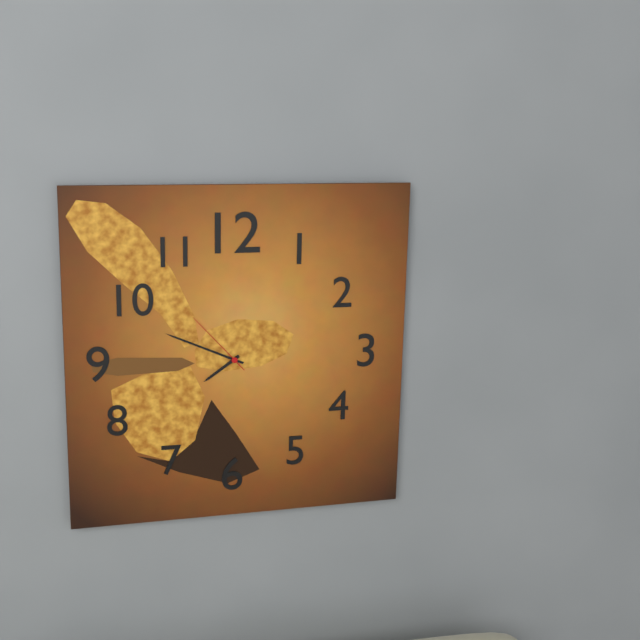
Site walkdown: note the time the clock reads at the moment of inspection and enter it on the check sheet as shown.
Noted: 7:49:53
